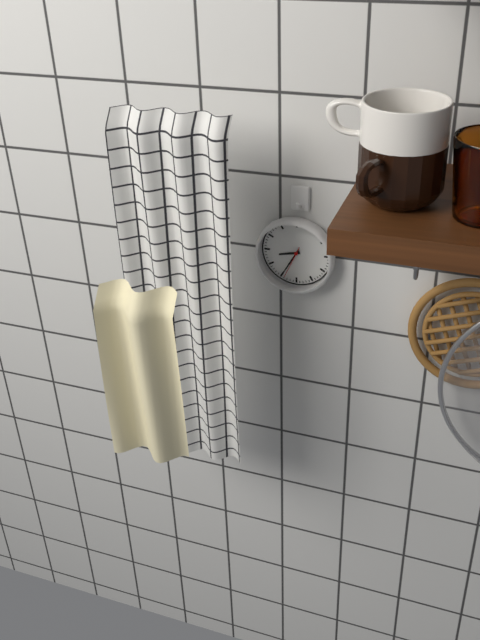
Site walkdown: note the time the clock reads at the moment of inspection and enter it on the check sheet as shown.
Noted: 8:35
